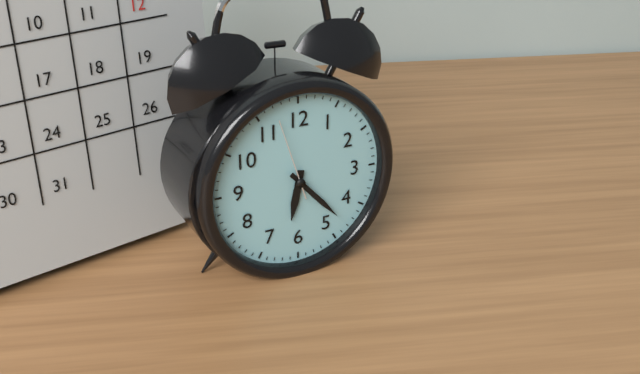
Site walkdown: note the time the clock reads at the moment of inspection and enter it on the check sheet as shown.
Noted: 6:23:57
